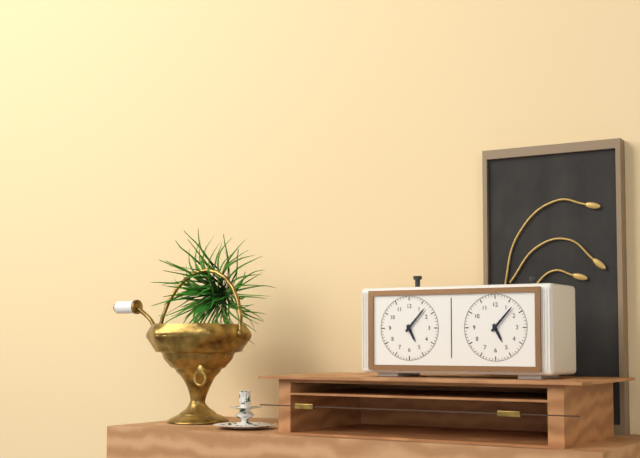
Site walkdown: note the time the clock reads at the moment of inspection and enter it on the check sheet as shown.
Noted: 5:07
